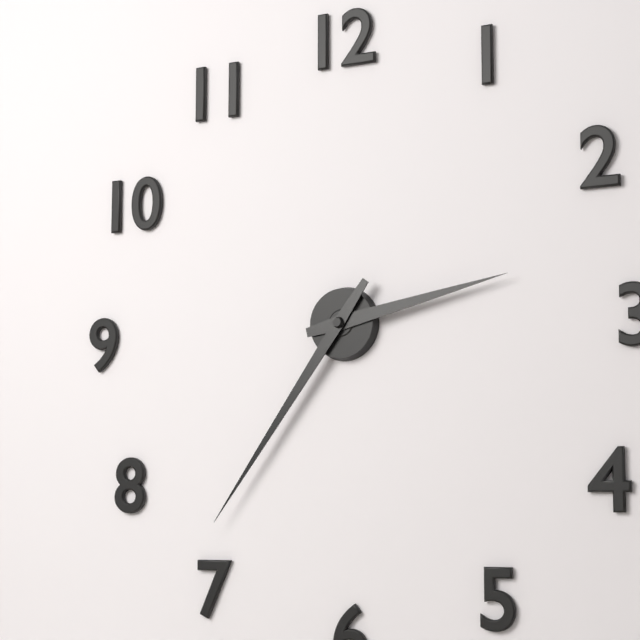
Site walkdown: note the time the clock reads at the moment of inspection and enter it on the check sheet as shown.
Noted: 2:36
